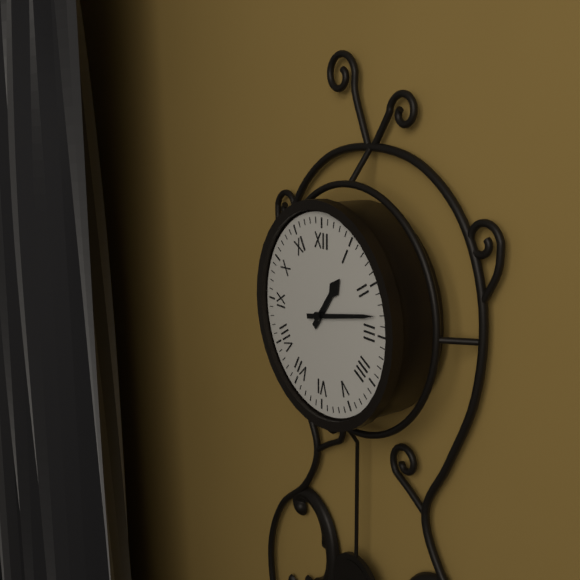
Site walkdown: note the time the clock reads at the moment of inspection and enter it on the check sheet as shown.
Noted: 1:13
